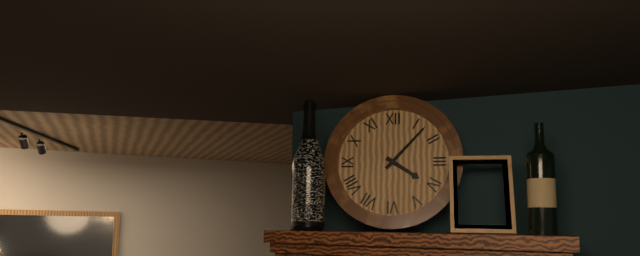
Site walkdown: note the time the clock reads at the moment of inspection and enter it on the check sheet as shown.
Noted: 4:07
